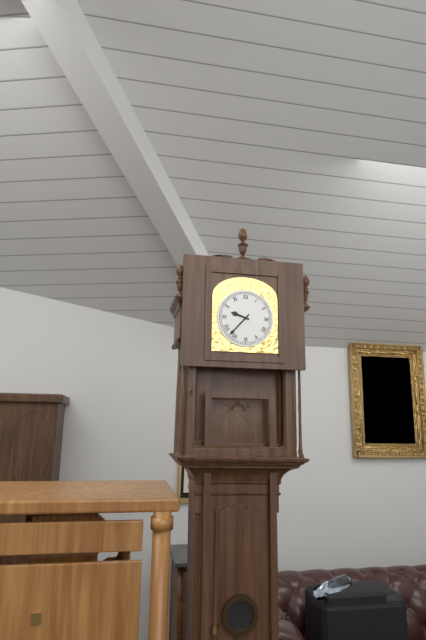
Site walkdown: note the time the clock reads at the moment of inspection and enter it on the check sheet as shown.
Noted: 9:37
